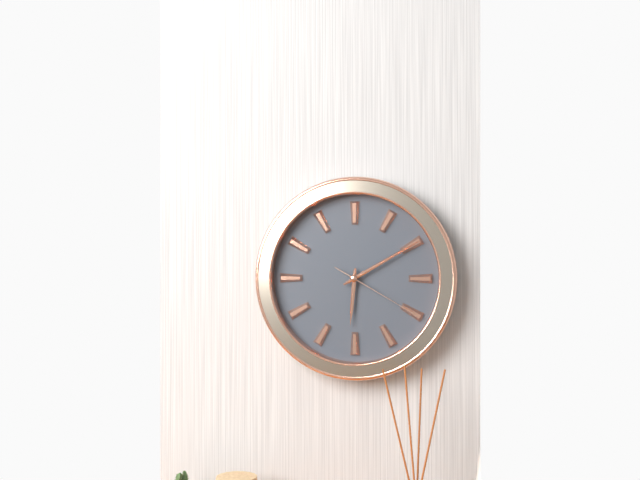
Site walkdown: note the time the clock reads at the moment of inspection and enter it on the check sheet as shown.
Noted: 6:10:20
